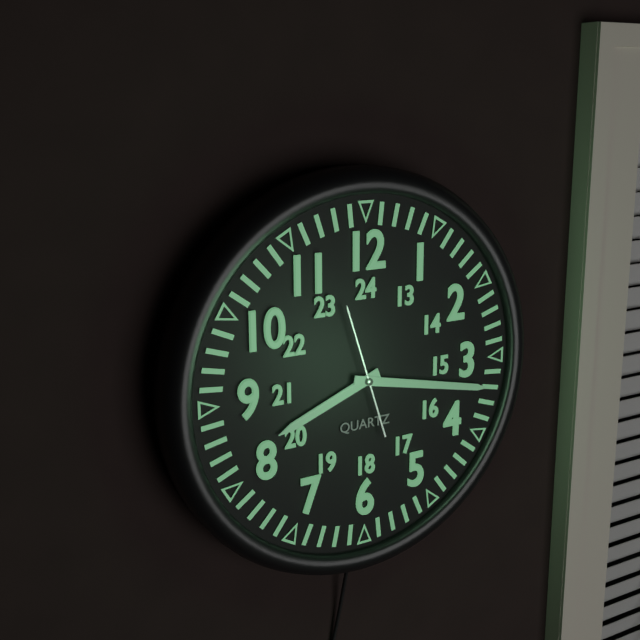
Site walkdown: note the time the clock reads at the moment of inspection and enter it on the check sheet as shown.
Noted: 8:17:57
